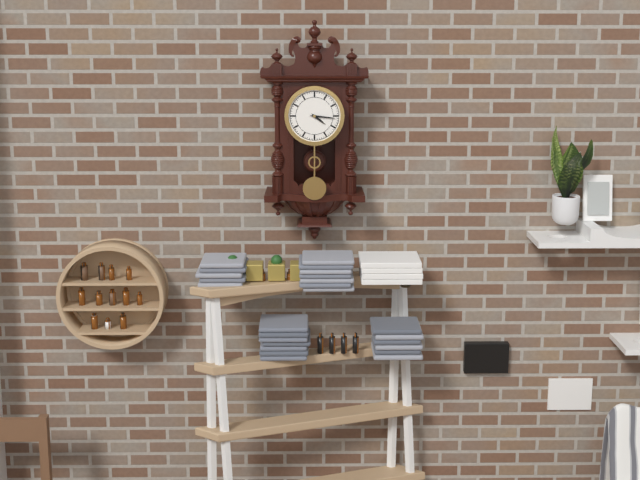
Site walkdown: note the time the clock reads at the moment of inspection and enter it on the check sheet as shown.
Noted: 4:16
